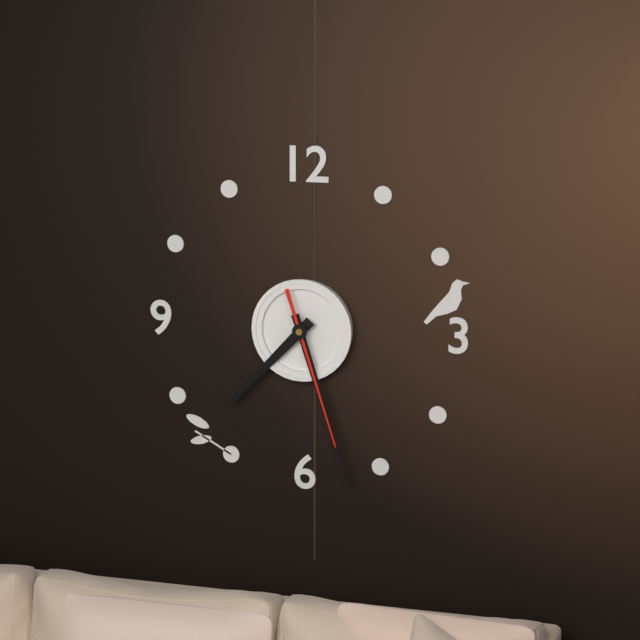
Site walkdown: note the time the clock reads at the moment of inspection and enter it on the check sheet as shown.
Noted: 7:27:27
